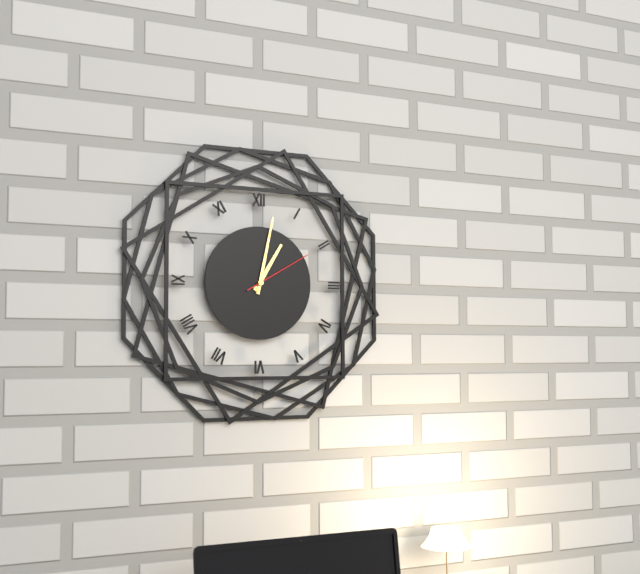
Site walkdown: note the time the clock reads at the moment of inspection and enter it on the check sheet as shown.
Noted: 1:02:10
